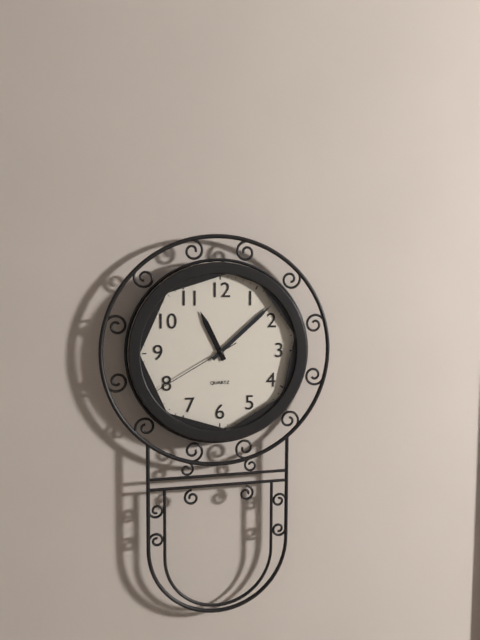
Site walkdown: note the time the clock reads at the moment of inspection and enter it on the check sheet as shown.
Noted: 11:08:40
